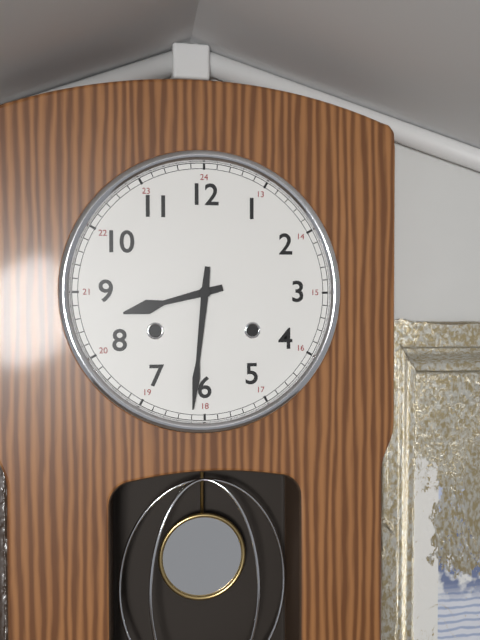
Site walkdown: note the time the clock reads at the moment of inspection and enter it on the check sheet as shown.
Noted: 8:31
